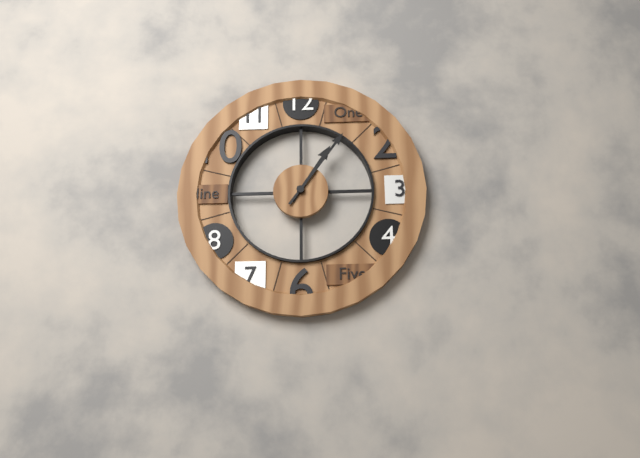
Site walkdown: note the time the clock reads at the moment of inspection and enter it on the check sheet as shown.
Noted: 1:06
